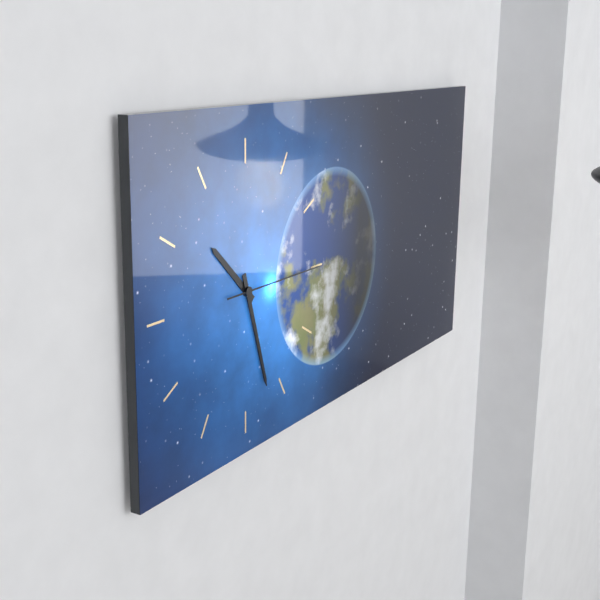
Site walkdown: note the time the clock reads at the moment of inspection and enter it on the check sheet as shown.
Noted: 10:27:15
